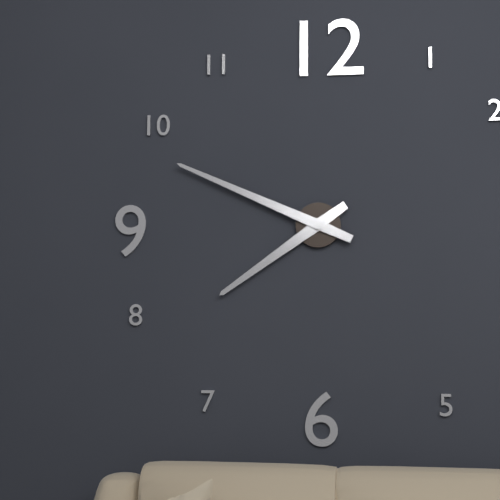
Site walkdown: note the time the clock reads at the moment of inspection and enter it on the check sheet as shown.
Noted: 7:49
